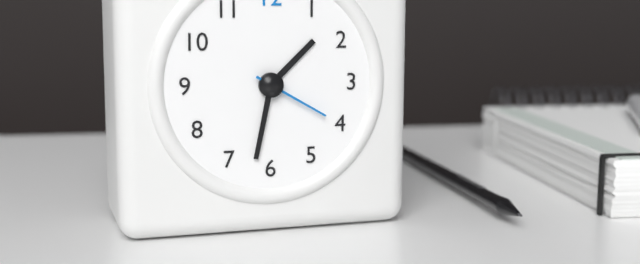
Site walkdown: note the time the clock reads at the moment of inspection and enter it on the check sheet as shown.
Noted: 1:32:20
